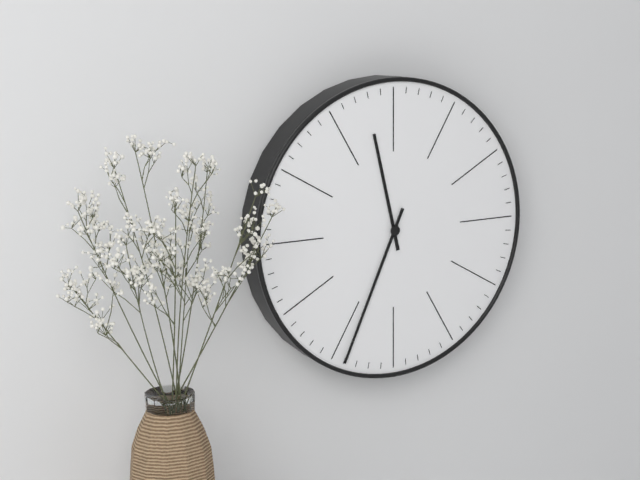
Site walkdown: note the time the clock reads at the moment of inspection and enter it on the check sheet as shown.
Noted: 11:34
